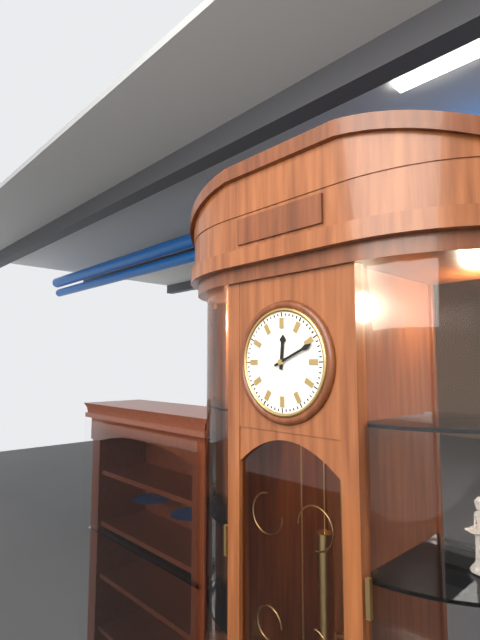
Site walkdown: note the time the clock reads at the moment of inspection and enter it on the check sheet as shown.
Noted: 12:11
